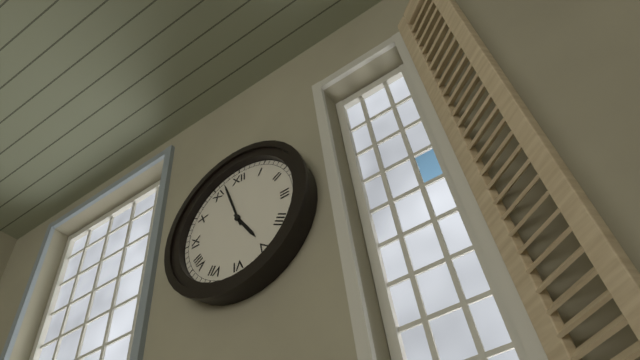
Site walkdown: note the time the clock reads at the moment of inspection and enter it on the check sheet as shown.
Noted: 4:57
